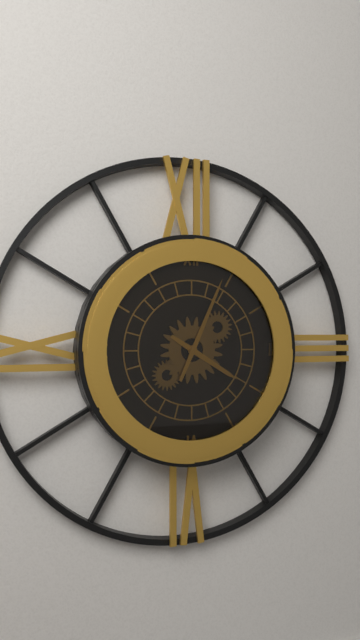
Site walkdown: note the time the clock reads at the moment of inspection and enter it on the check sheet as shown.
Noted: 4:04
